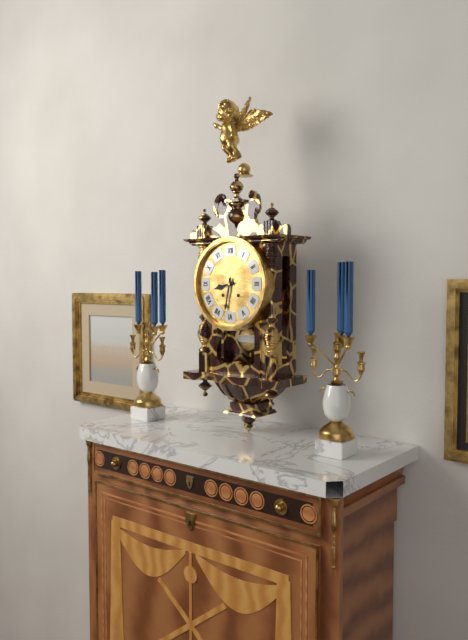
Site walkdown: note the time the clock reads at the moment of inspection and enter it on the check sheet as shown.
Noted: 8:32
